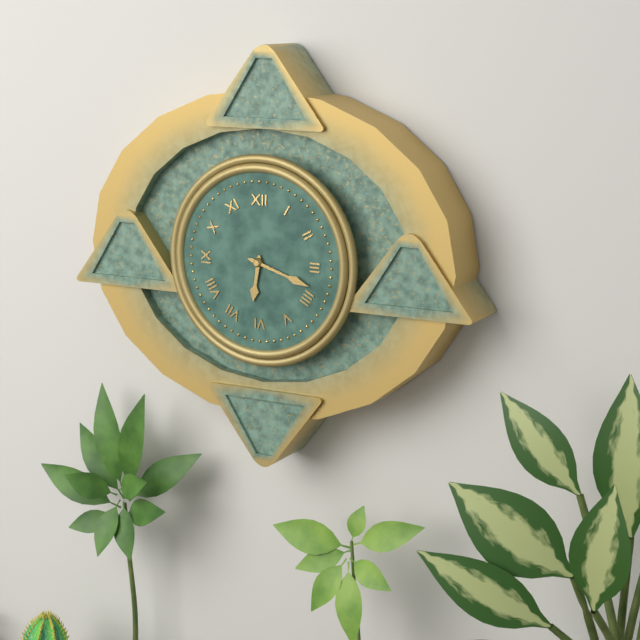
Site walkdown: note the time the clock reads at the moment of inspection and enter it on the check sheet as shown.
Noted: 6:18
